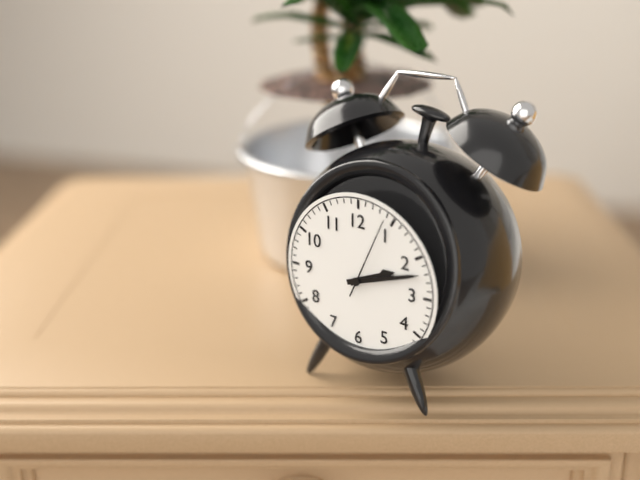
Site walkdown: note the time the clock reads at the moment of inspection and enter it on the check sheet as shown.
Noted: 2:12:04
